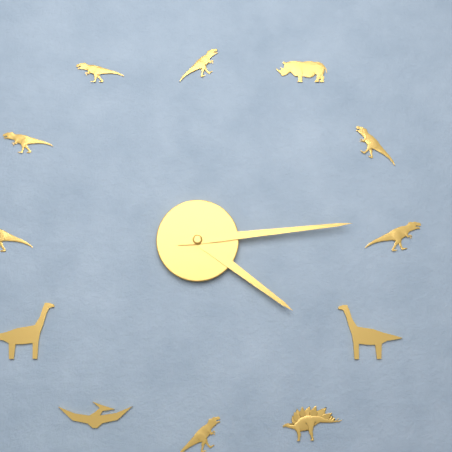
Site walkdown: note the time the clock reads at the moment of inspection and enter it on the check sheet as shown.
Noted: 4:14
